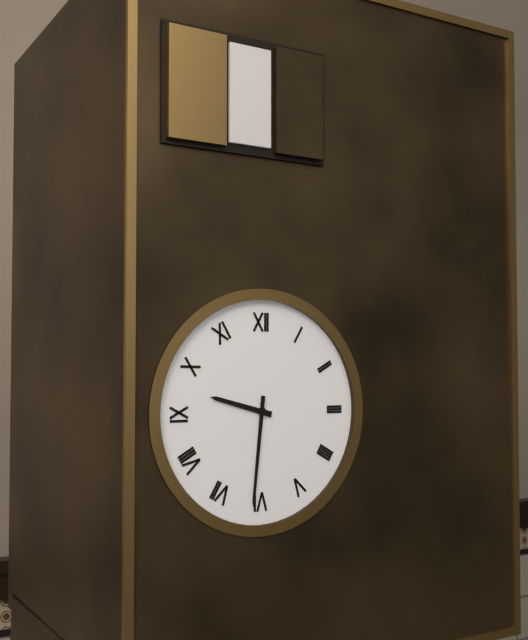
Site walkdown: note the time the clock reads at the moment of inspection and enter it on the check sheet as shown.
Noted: 9:31
